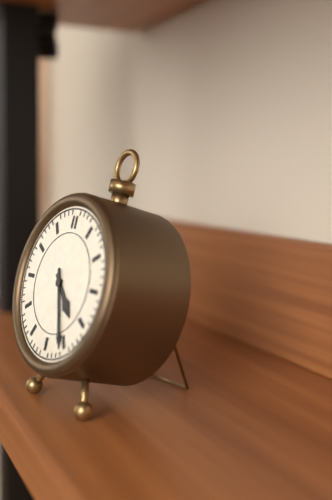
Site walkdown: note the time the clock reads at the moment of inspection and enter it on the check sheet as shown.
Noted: 4:26
